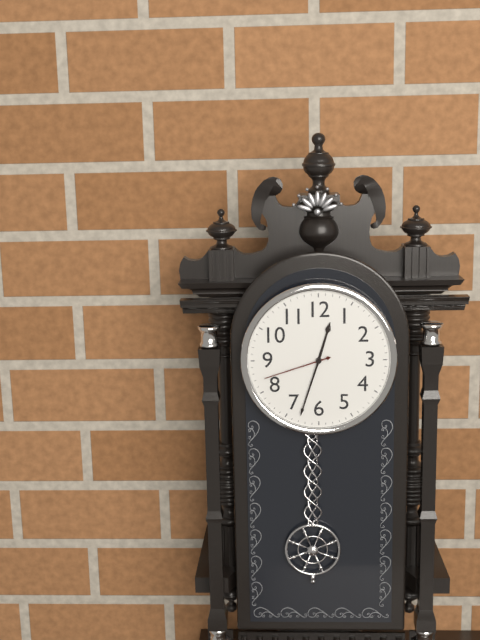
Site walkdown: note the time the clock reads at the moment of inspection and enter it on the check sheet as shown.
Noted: 12:33:42
